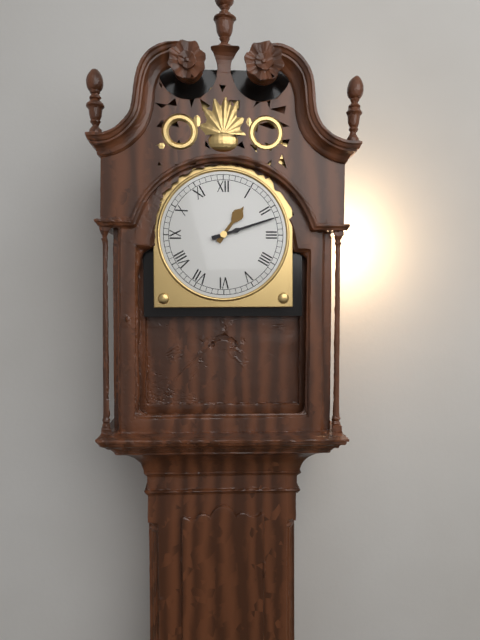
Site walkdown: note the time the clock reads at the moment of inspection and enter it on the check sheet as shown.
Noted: 1:12
